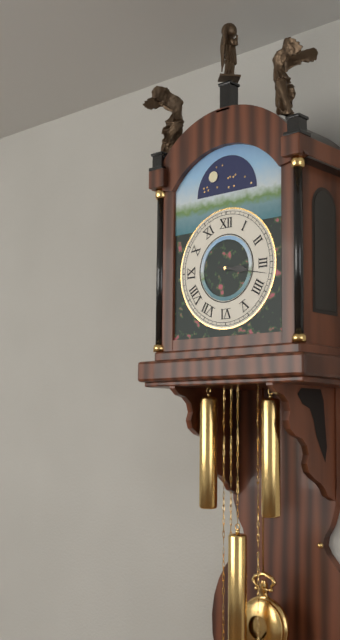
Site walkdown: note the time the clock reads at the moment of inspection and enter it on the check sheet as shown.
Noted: 3:17
